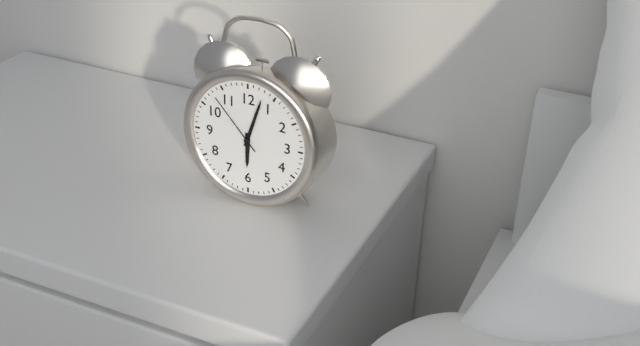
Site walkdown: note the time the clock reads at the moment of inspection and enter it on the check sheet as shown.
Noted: 6:03:53
